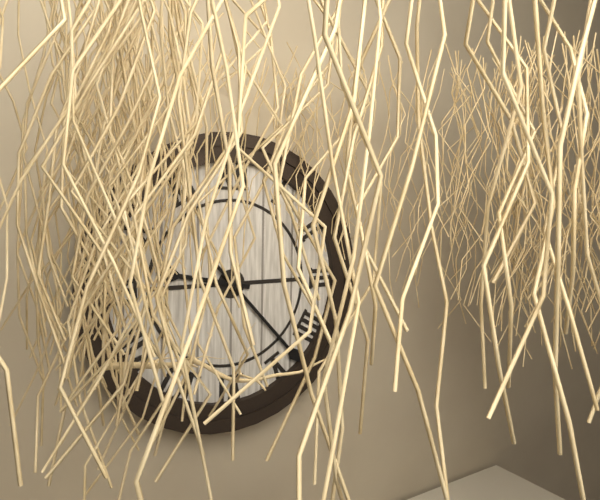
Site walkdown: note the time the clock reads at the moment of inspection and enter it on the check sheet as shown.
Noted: 9:23
